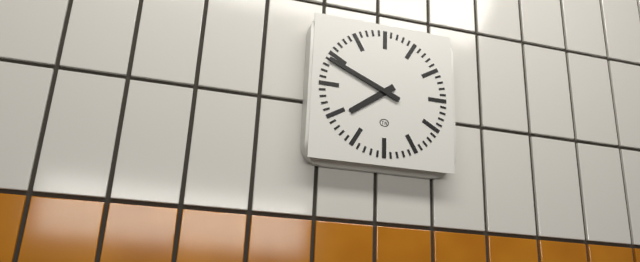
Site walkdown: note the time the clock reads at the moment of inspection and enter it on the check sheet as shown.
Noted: 7:49
